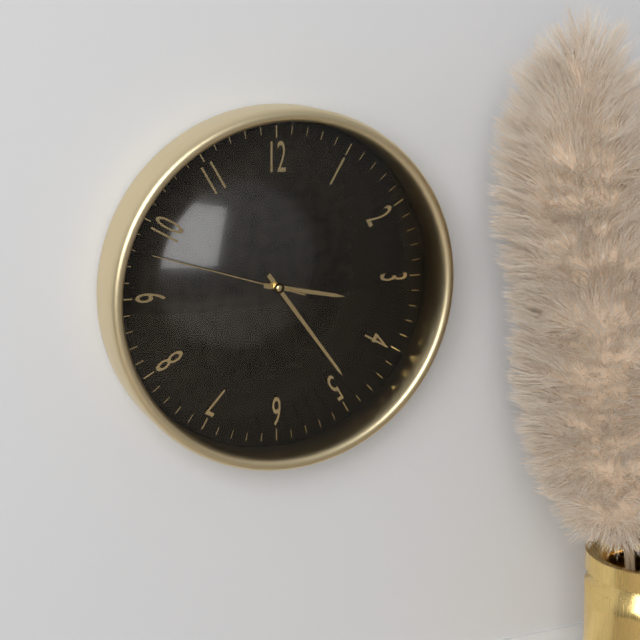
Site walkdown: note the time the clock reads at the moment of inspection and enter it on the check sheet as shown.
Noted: 3:24:48
